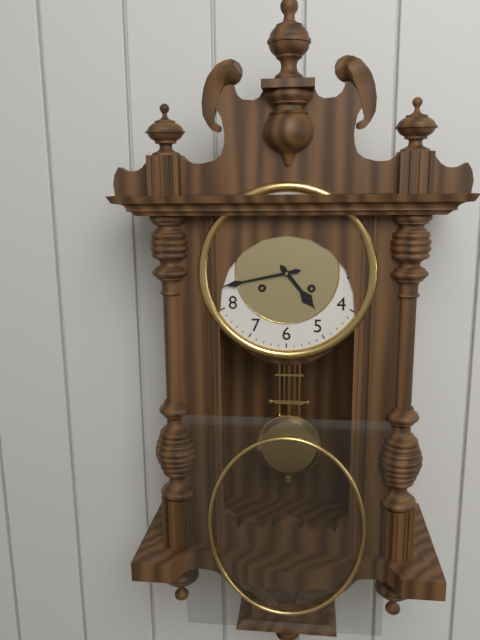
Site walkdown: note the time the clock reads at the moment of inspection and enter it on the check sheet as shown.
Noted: 4:43
